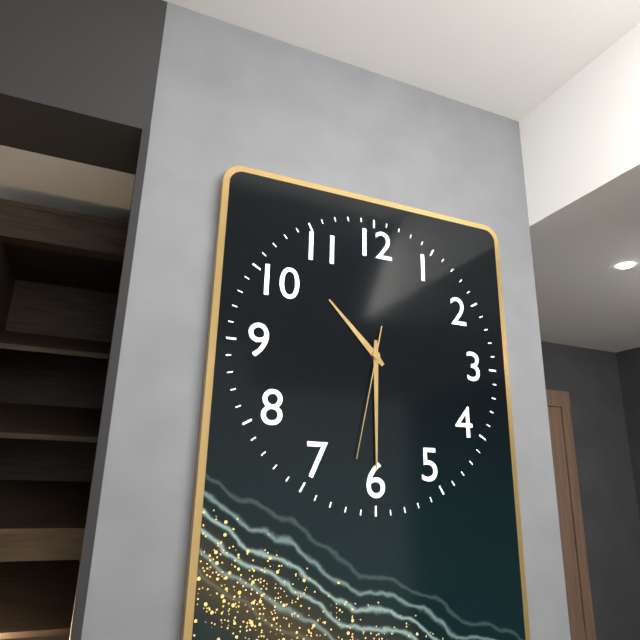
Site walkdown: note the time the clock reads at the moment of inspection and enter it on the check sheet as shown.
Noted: 10:30:32
